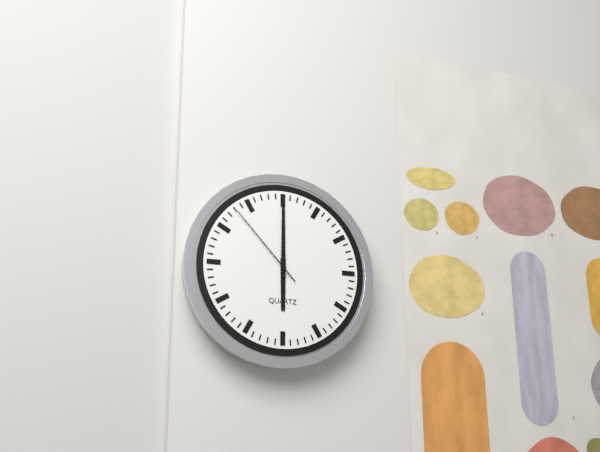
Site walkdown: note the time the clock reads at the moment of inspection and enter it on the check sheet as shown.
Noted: 6:00:53
